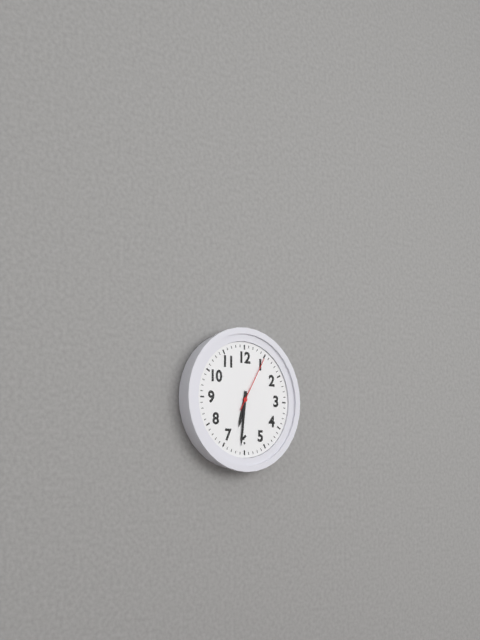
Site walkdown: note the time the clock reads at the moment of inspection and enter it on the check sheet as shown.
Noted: 6:31:05
